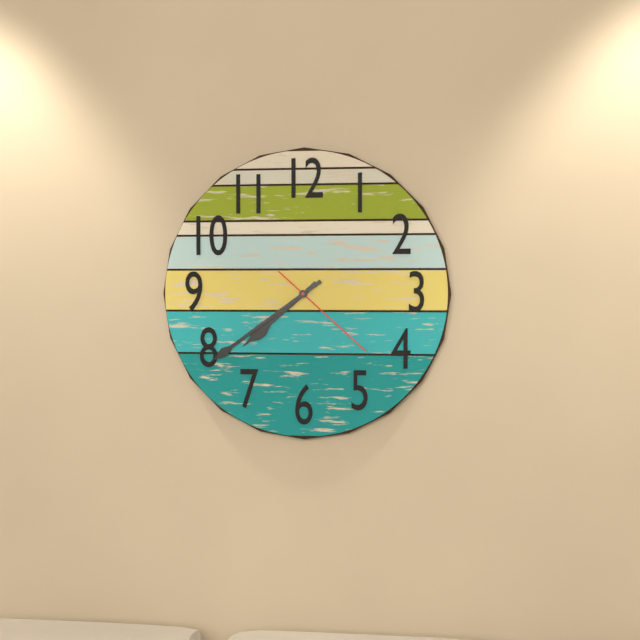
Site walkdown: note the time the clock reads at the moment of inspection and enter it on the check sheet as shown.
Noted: 7:39:22
